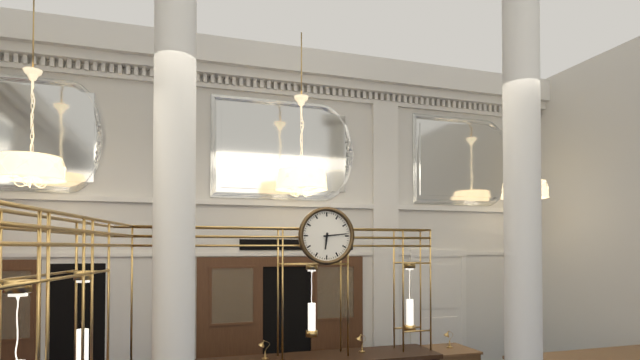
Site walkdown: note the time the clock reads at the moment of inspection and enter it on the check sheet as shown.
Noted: 6:14
